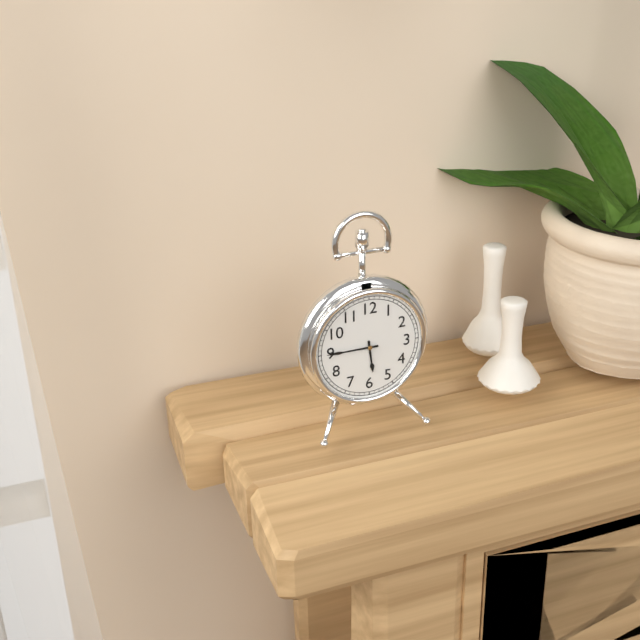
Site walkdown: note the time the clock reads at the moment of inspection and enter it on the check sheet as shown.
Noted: 5:45
